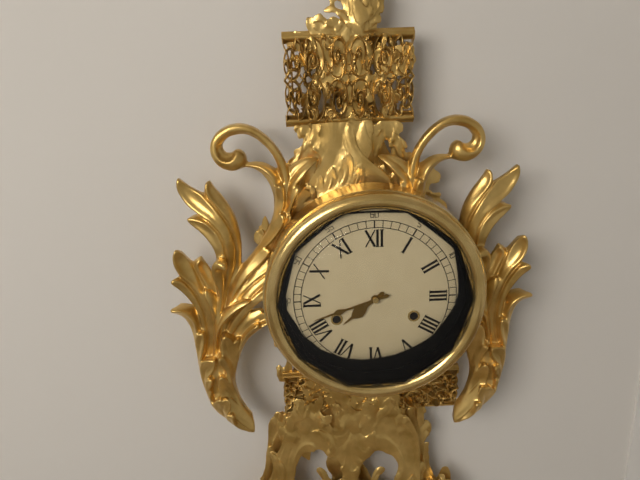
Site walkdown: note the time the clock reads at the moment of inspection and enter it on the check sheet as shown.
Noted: 7:42
